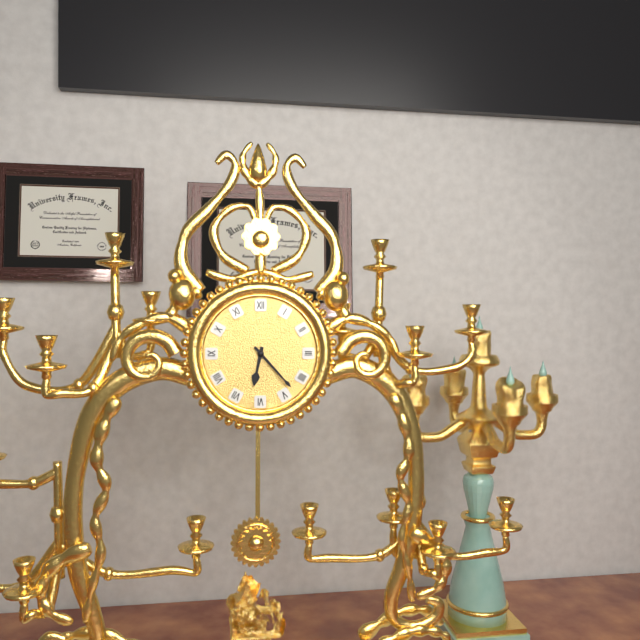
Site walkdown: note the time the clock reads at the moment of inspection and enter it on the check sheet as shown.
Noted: 6:23
